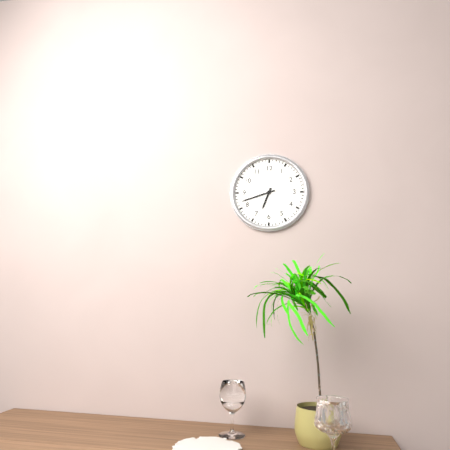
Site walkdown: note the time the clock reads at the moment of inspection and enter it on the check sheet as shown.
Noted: 6:42
